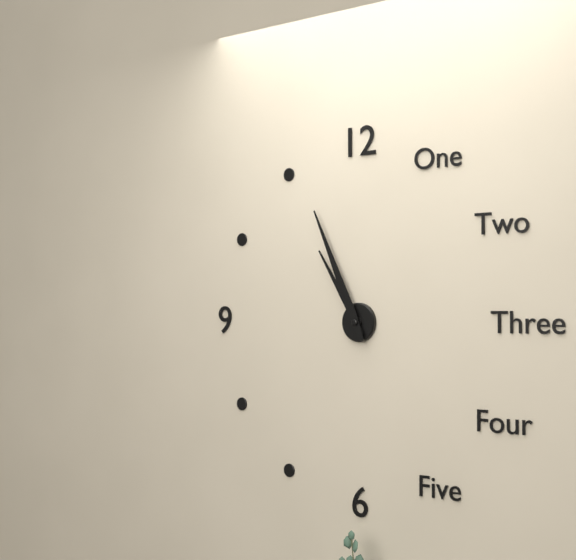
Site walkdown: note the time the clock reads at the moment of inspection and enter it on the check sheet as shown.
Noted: 10:56
